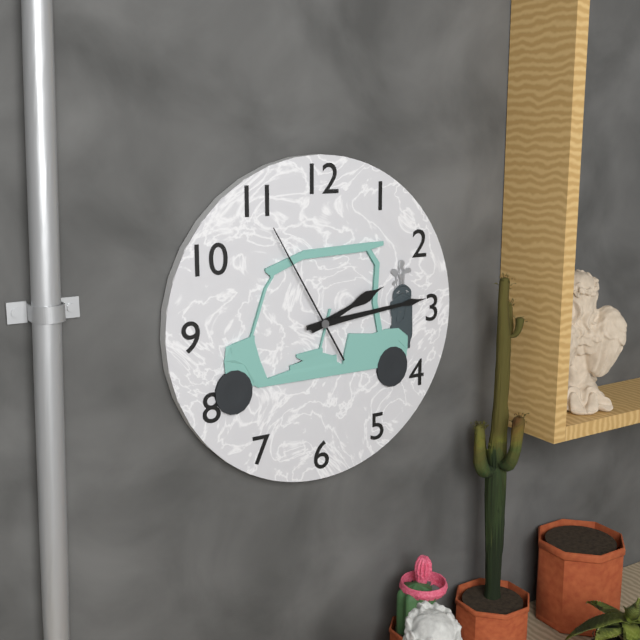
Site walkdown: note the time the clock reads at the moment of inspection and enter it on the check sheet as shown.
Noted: 2:14:55
